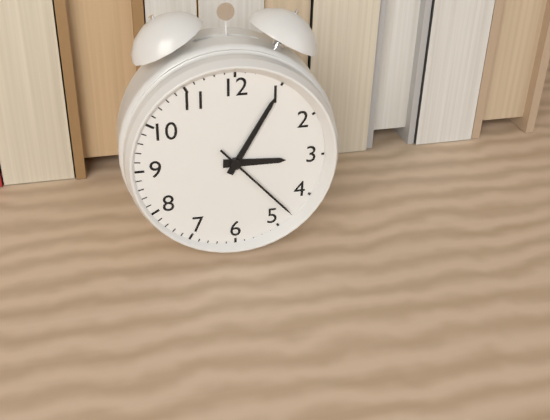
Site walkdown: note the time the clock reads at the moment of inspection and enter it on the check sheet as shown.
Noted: 3:05:23
